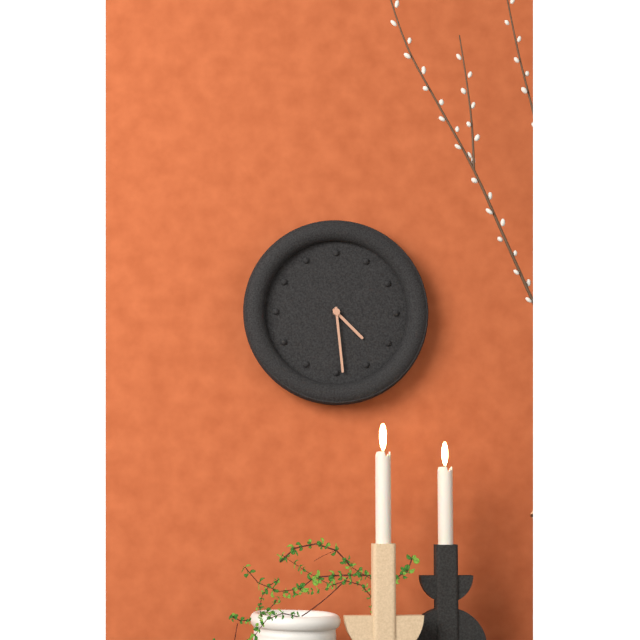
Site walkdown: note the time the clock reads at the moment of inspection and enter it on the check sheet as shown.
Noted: 4:29
